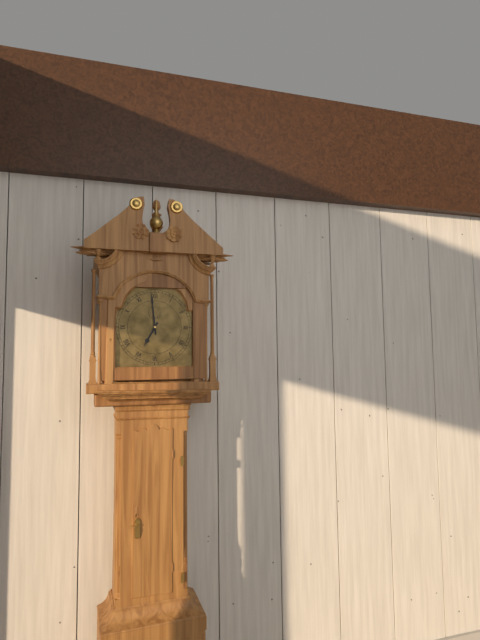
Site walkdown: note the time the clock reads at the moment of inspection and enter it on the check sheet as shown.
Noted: 6:59
